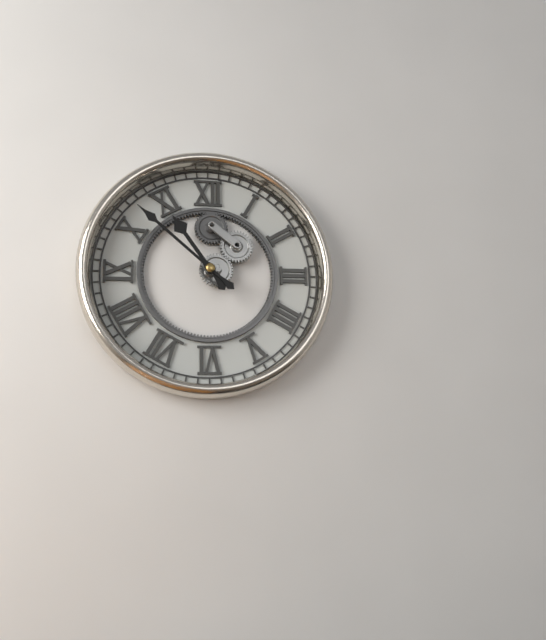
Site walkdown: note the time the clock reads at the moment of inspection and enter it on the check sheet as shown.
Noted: 10:52
